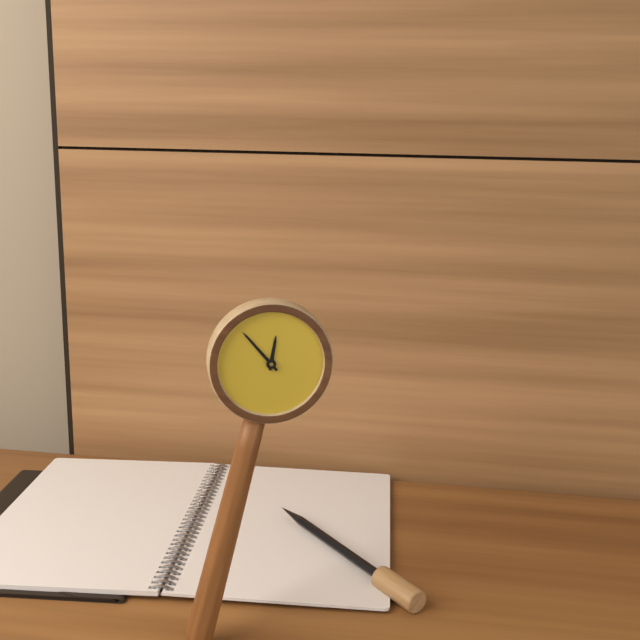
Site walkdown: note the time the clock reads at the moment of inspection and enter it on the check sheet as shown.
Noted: 11:51
